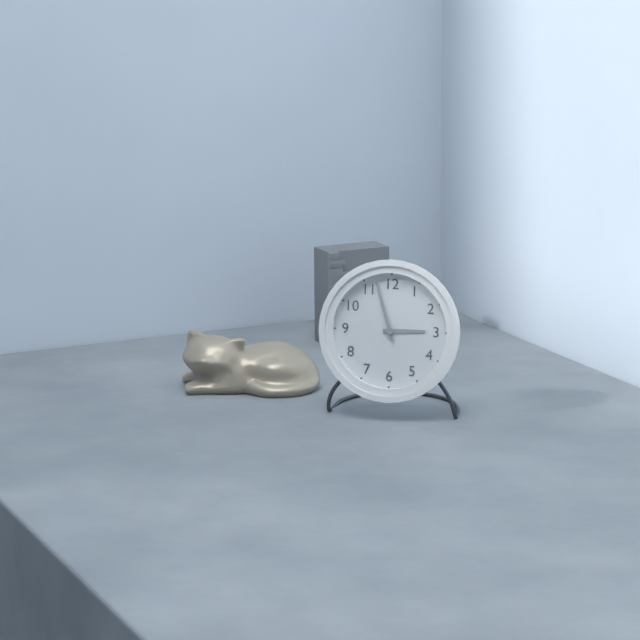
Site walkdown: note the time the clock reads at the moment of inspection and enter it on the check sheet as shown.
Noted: 2:57
